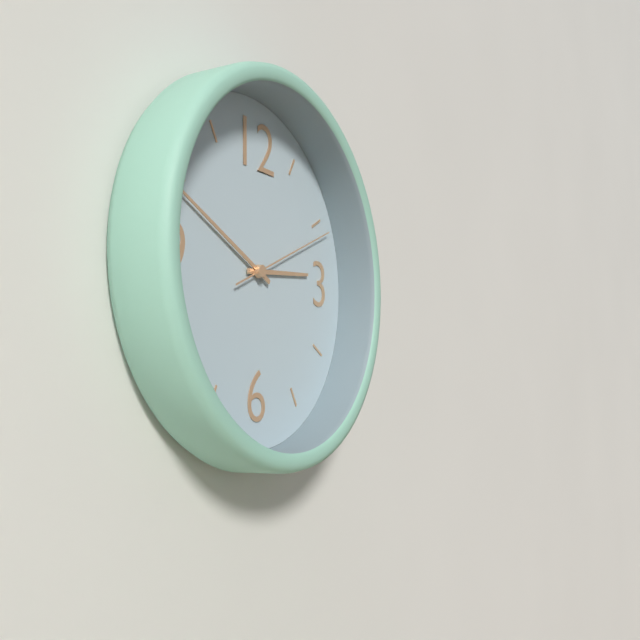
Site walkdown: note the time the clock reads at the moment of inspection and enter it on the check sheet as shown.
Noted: 2:49:11
